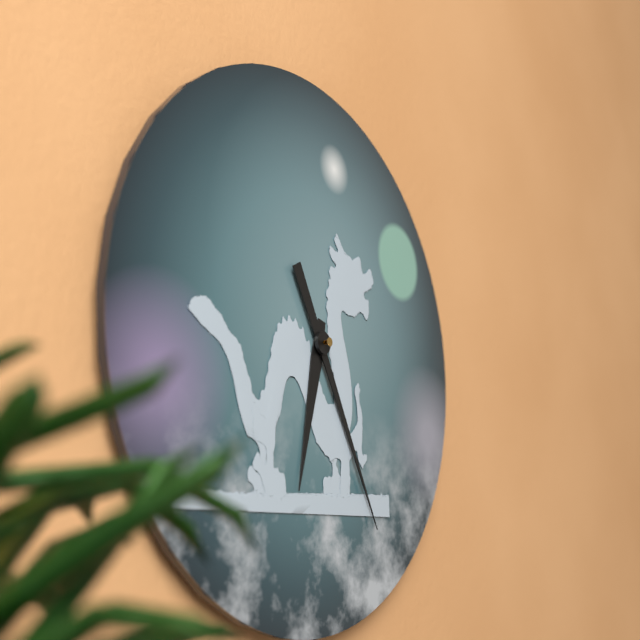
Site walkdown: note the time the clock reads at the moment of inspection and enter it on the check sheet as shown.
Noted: 6:25
